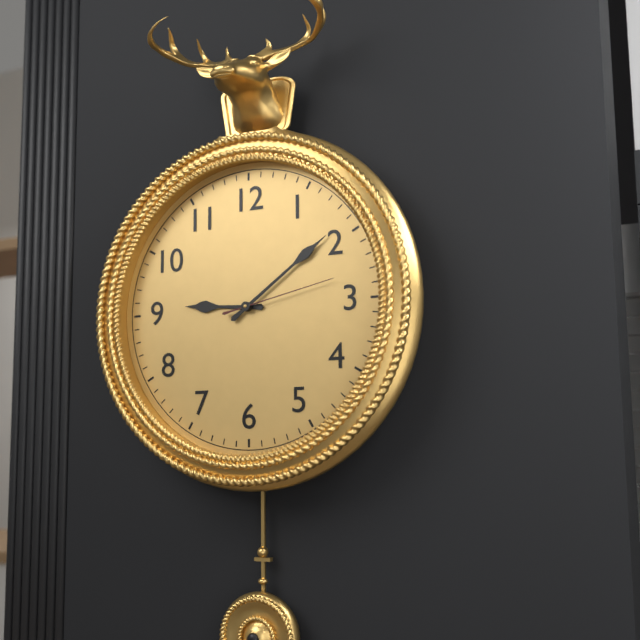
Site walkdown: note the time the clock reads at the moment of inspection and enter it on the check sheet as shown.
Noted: 9:09:13
